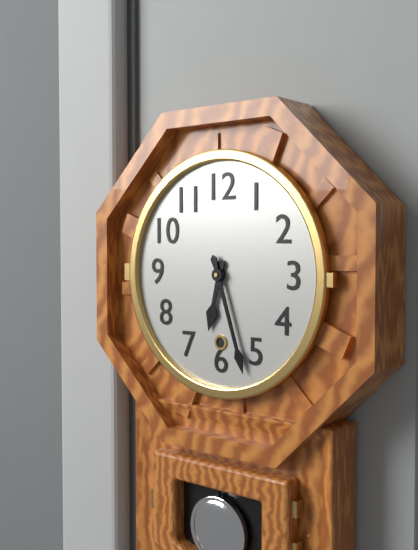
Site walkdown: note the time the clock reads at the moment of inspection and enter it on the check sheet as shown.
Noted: 6:27
